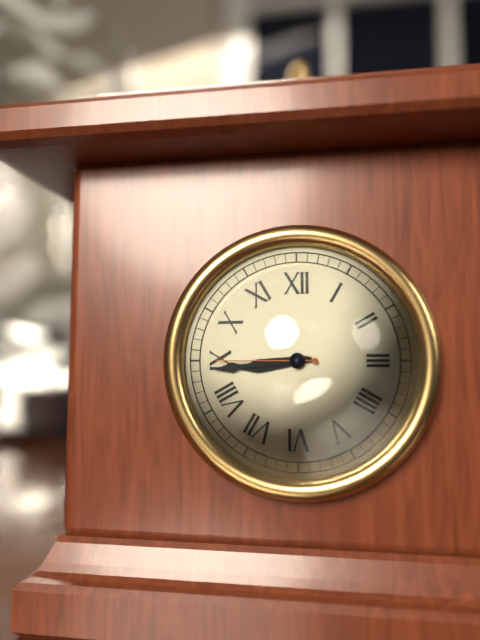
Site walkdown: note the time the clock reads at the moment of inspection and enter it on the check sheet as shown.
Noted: 8:44:45
